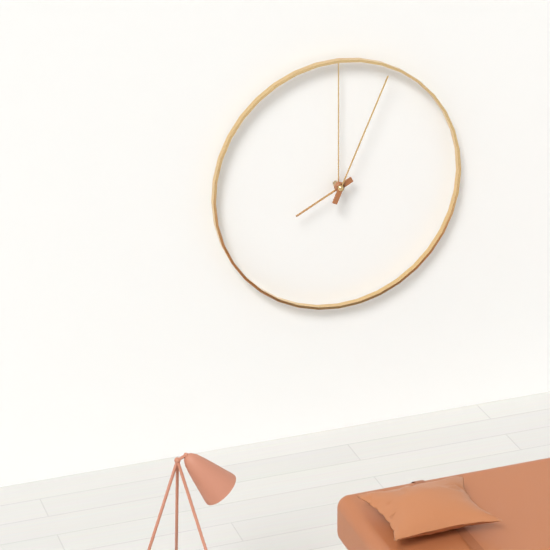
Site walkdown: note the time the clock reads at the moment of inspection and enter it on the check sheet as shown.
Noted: 8:04
